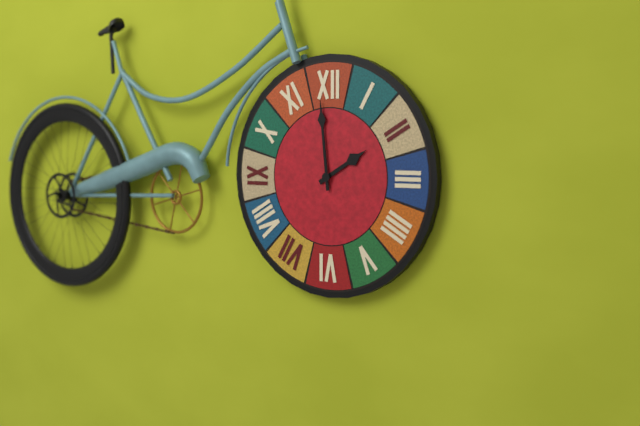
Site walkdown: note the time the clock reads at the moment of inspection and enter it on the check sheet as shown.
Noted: 1:59
